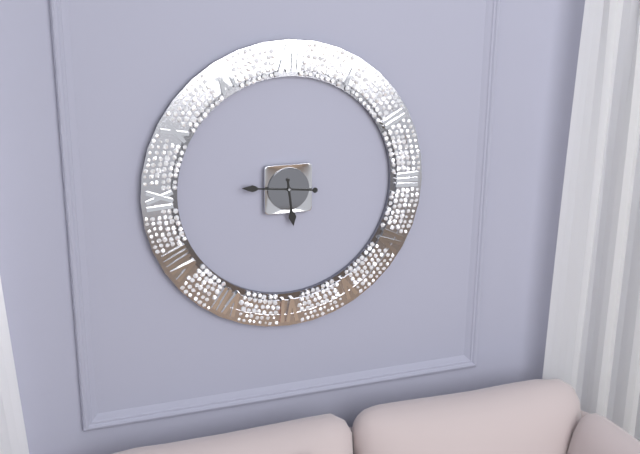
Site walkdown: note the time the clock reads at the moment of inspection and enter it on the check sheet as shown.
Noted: 5:46
